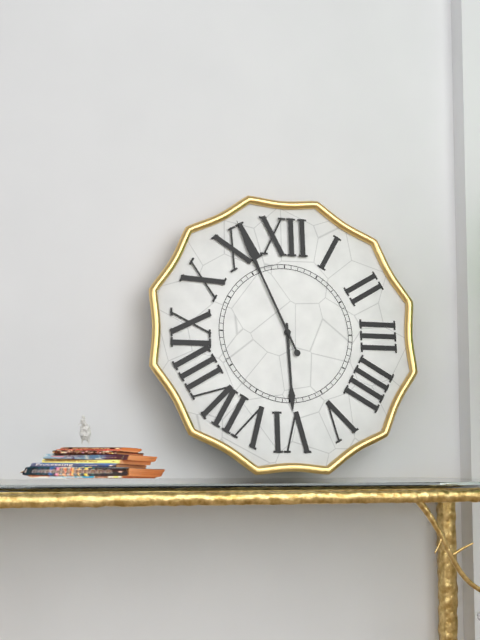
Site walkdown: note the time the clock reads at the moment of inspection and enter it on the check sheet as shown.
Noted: 5:56
